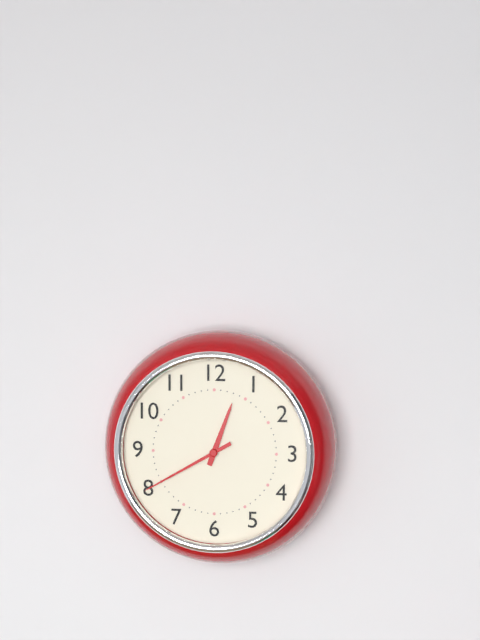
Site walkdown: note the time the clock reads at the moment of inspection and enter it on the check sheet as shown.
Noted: 12:40
